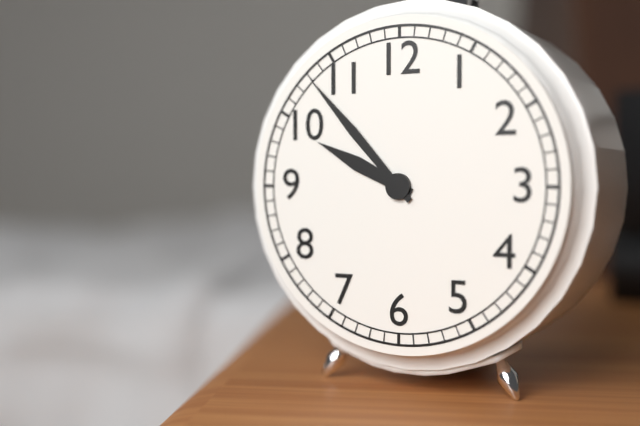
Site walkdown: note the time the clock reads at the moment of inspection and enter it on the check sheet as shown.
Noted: 9:53
